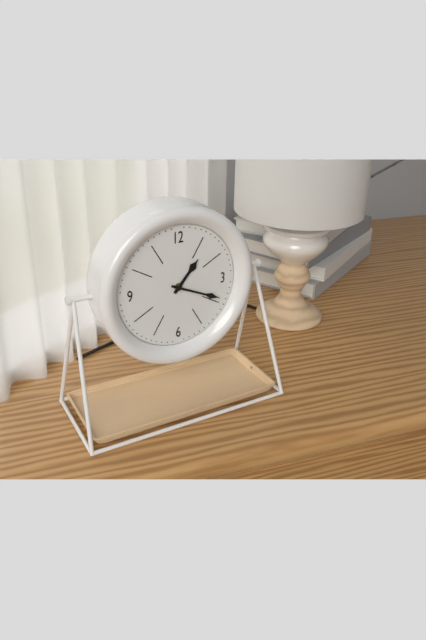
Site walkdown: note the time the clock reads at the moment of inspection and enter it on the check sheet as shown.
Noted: 1:19
